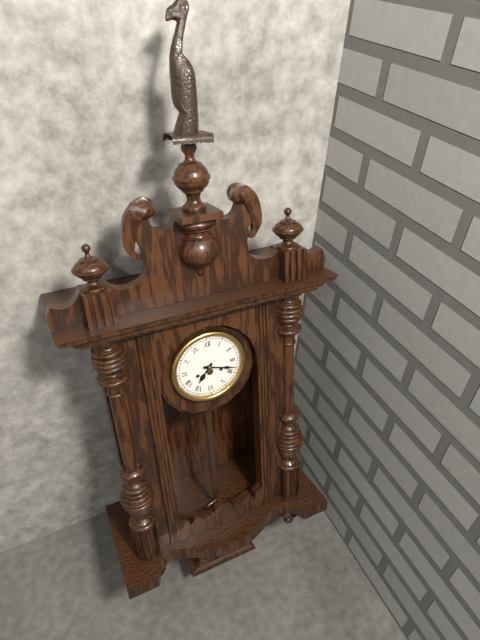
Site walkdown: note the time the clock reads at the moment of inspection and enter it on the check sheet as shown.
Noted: 7:18
